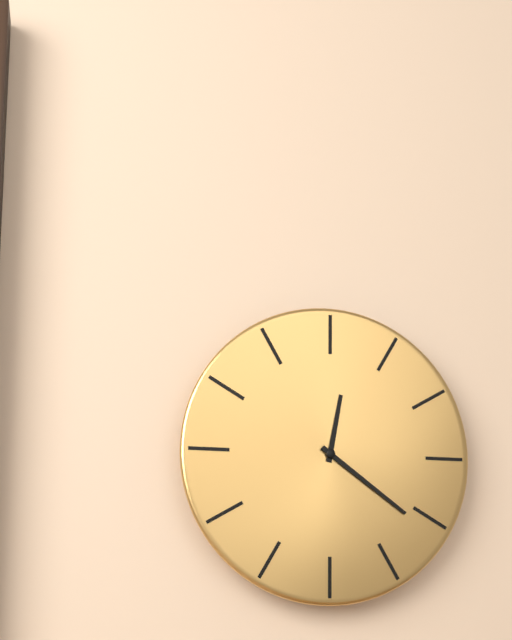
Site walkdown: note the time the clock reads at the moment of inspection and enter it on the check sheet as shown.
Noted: 12:21
